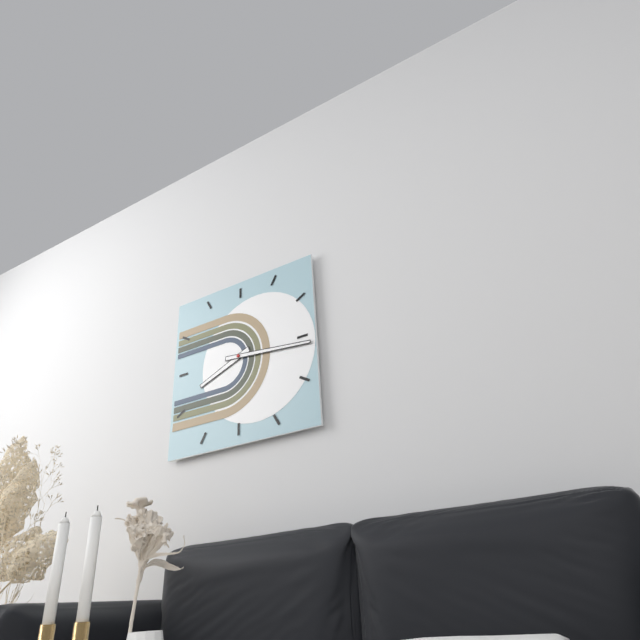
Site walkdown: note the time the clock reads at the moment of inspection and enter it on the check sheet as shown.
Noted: 8:16
